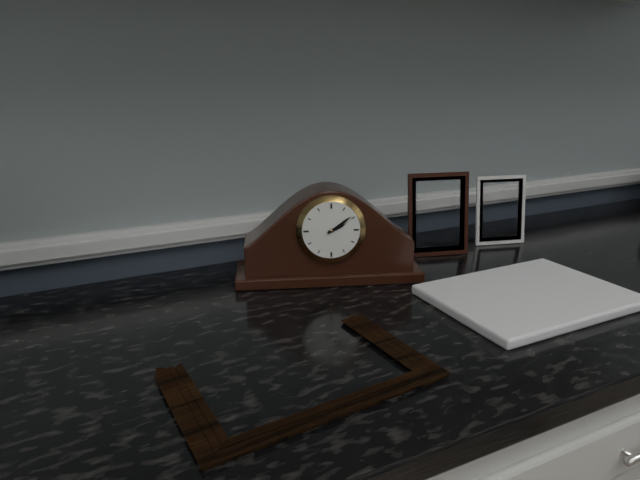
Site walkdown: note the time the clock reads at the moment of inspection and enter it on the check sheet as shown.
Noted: 2:09
